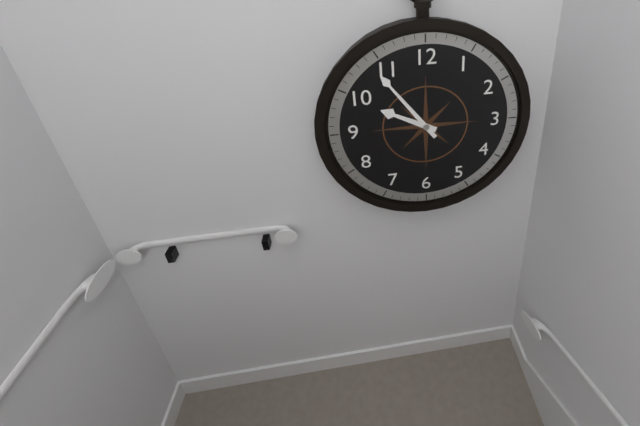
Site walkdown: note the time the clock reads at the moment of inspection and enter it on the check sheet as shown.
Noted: 9:54
